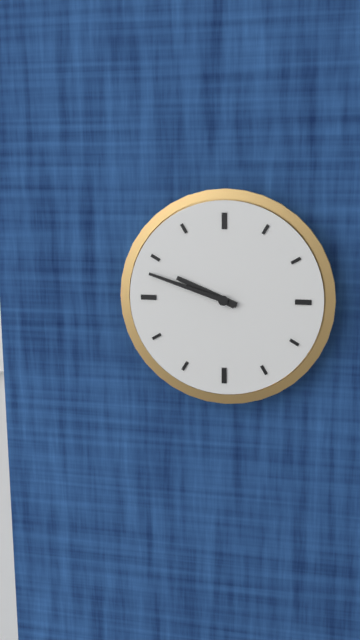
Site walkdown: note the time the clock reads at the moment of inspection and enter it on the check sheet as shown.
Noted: 9:48
